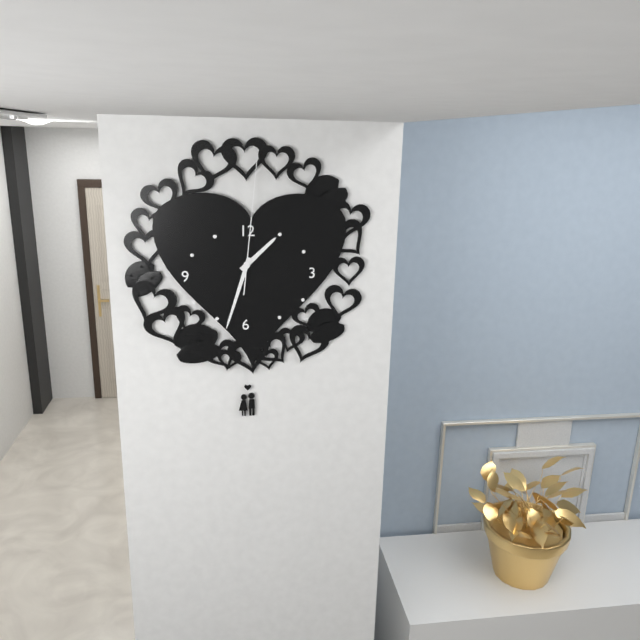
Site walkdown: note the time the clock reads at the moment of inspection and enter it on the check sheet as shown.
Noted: 1:33:01
